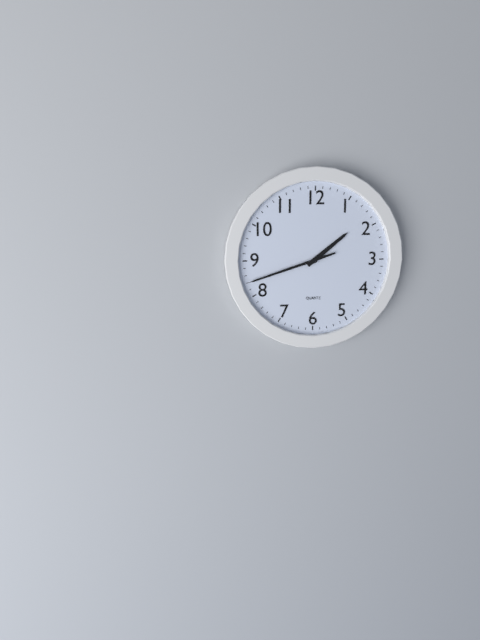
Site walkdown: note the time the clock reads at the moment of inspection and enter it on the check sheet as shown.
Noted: 1:42
